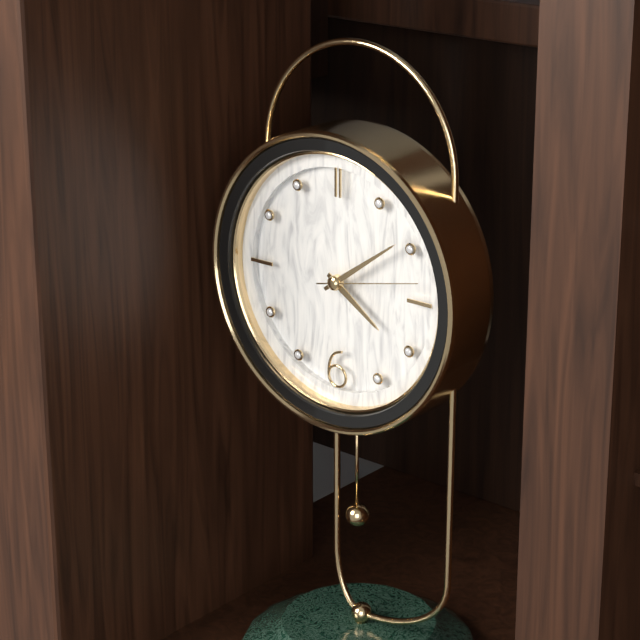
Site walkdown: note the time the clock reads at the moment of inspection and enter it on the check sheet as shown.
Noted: 4:09:13
